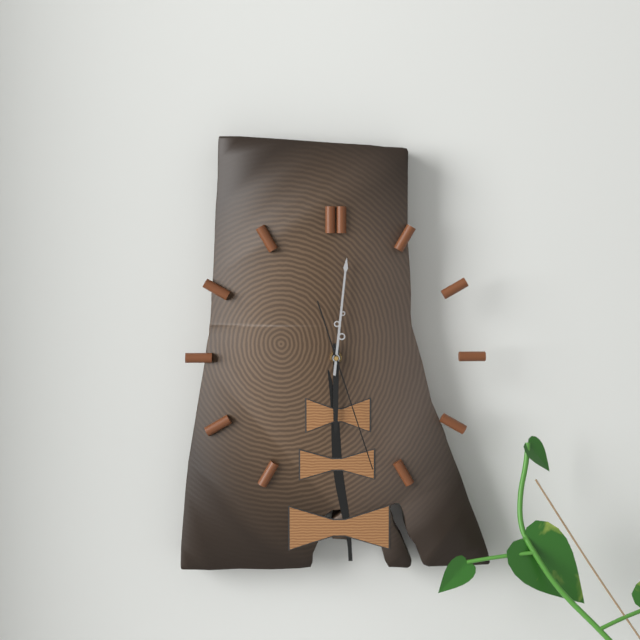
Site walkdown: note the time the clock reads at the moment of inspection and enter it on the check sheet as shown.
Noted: 6:01:27
